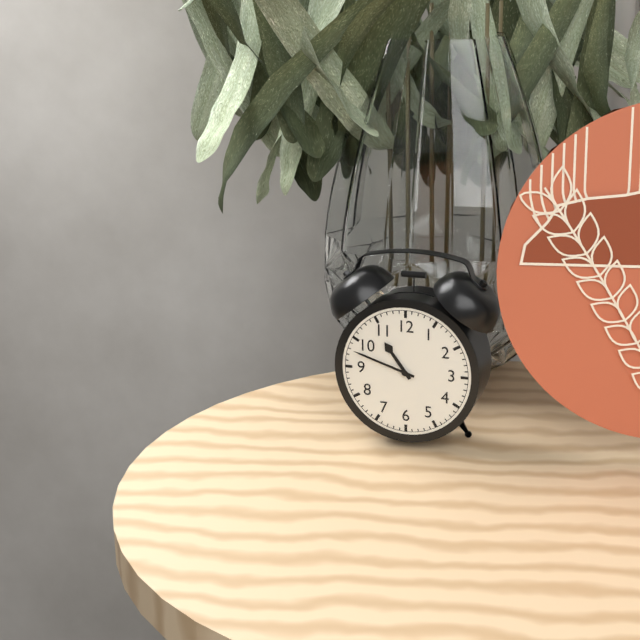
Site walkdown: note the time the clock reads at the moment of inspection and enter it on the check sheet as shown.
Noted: 10:48
